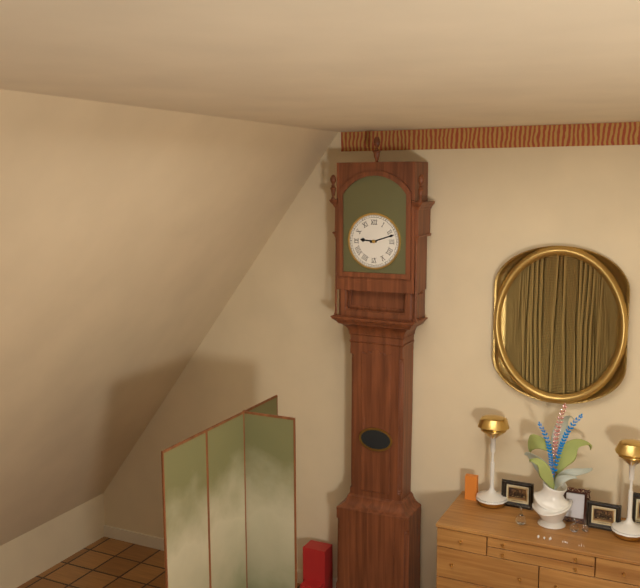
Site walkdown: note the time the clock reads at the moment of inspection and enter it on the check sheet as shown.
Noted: 9:12
